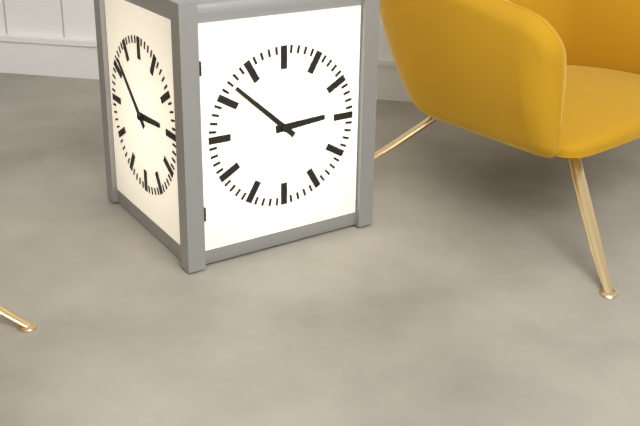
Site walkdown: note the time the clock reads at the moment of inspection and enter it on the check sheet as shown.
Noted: 2:52
